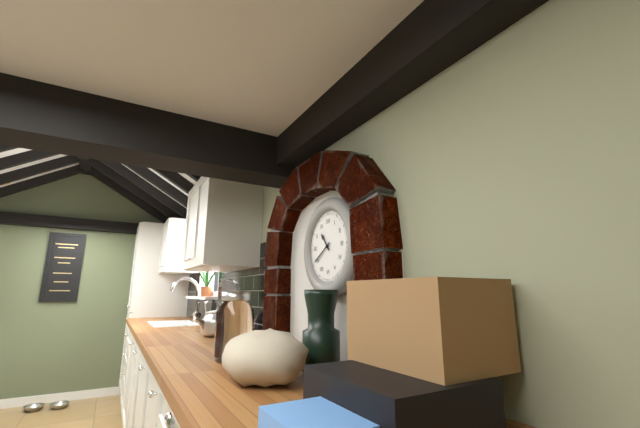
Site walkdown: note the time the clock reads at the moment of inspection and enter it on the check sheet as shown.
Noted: 10:40
